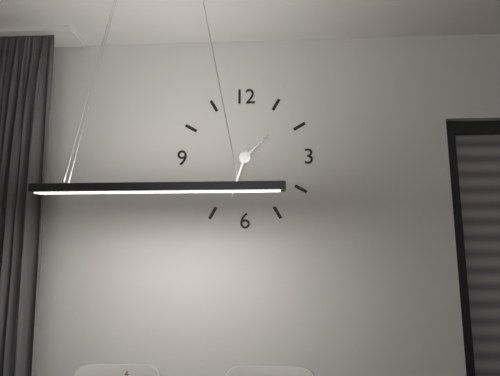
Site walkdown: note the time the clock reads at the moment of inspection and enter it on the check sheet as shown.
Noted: 1:33
